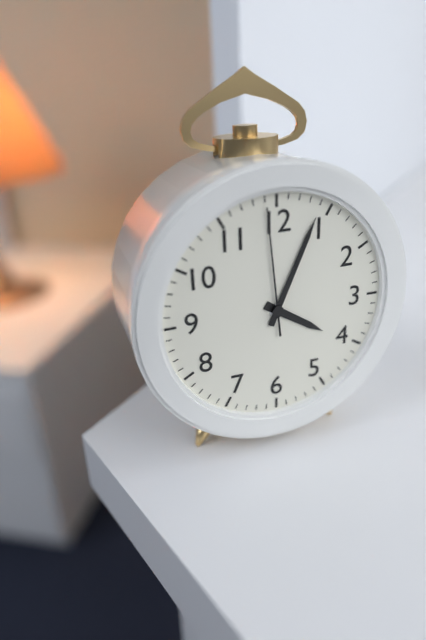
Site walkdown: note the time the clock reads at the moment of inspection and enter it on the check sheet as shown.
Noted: 4:04:59
